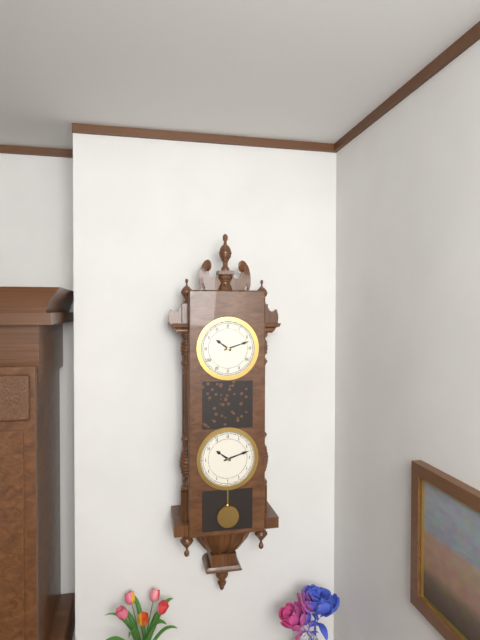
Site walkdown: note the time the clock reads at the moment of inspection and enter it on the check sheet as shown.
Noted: 10:12
